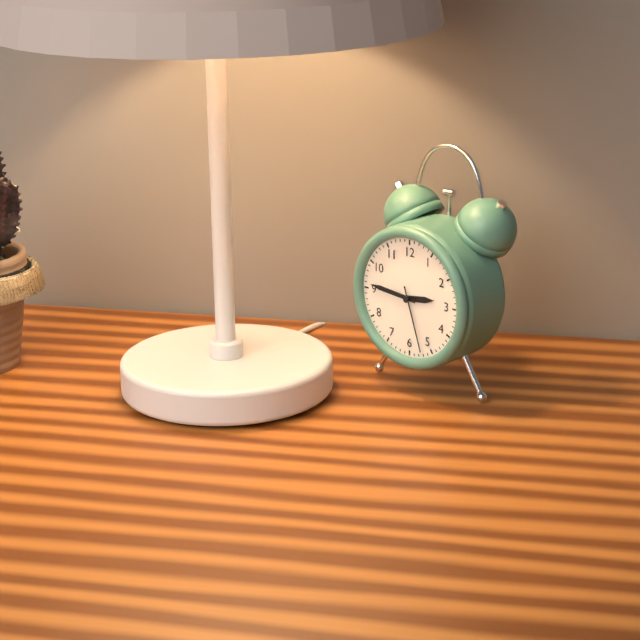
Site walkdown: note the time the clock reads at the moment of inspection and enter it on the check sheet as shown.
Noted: 2:46:27
